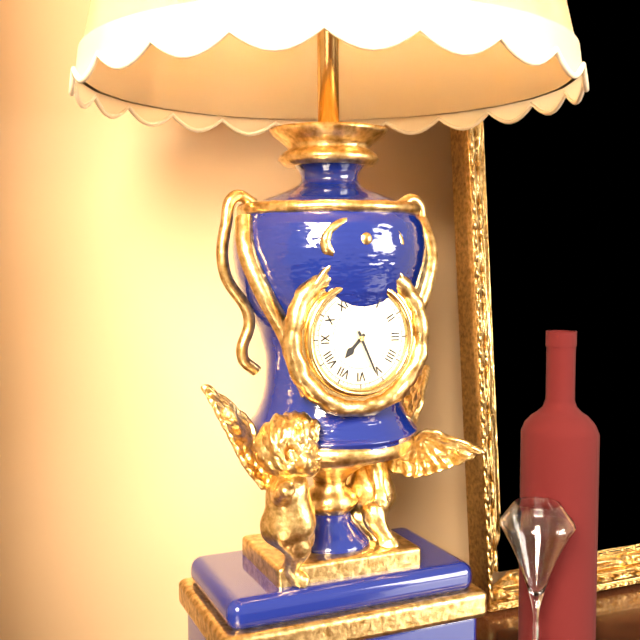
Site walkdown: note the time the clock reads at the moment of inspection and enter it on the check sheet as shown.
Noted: 7:26
